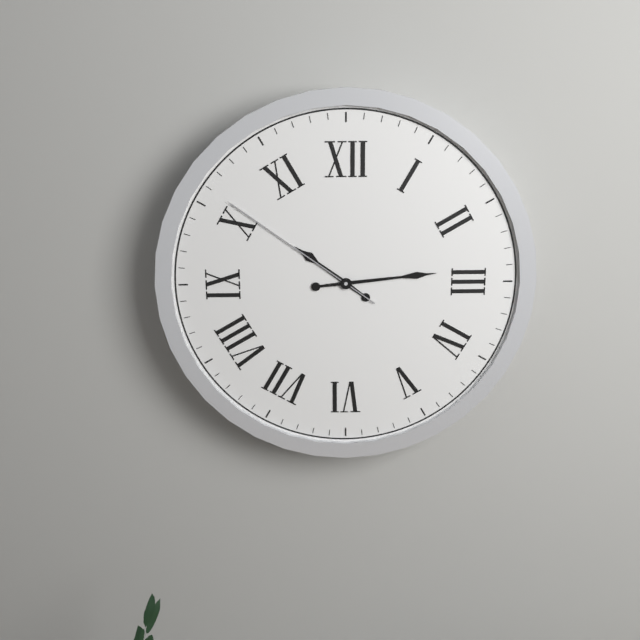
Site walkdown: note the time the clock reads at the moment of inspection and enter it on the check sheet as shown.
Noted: 10:14:51
